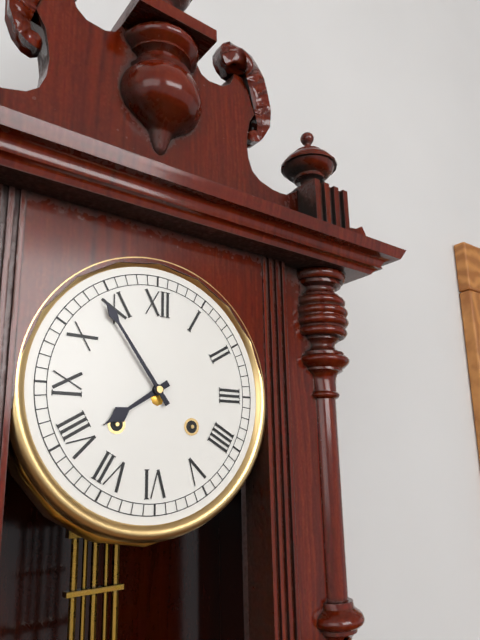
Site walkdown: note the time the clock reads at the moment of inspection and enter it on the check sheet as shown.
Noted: 7:54
